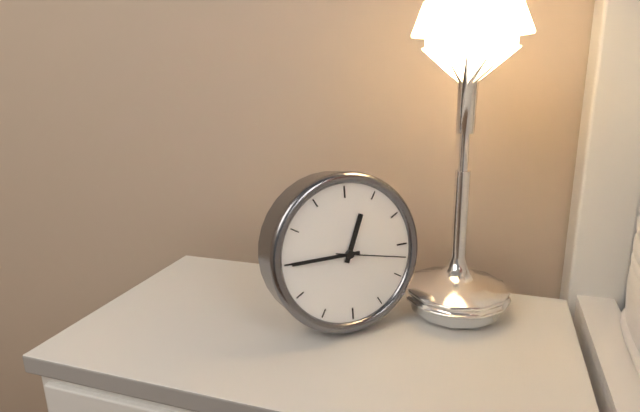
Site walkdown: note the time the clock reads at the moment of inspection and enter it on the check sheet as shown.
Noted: 12:45:17
